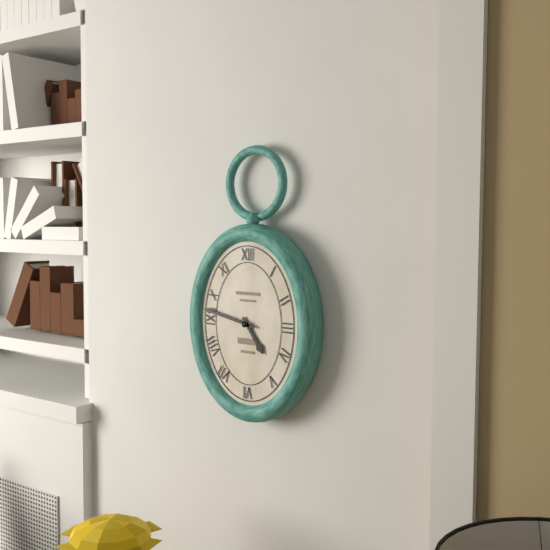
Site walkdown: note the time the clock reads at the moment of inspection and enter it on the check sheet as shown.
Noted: 4:47
